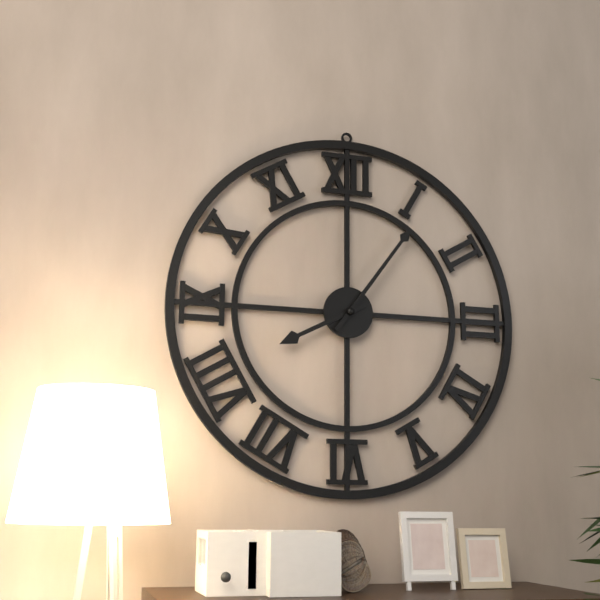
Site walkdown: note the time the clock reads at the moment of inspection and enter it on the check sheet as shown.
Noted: 8:06
